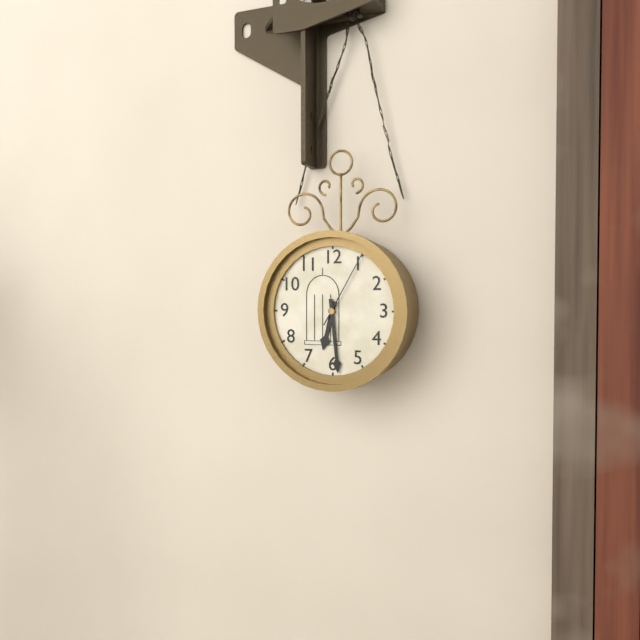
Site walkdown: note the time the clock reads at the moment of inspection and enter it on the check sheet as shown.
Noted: 6:29:05
